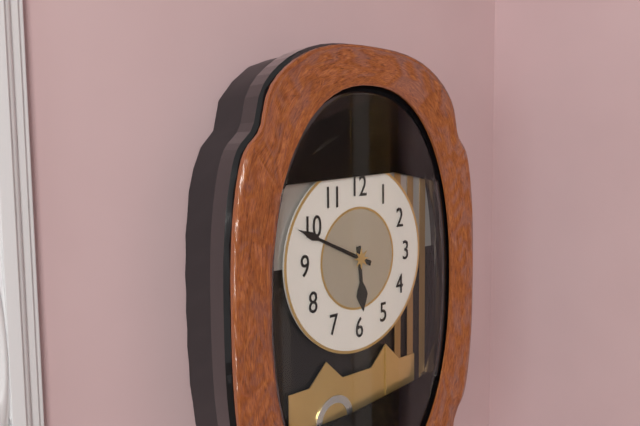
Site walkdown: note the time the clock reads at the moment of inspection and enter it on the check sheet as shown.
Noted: 5:49
